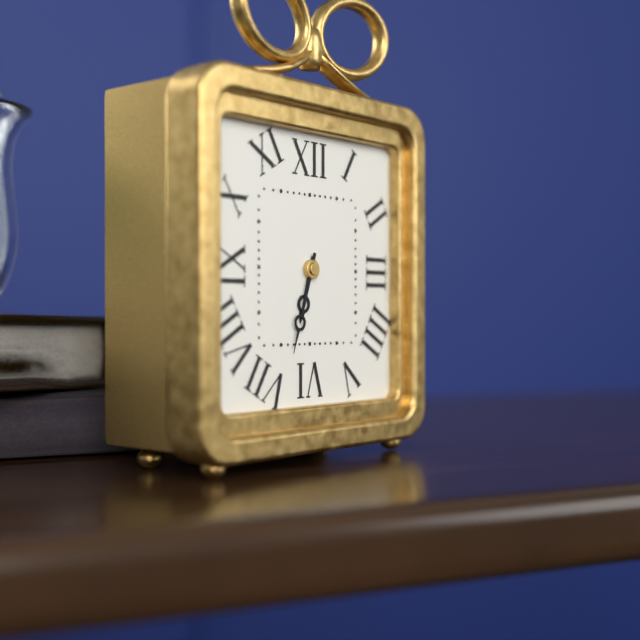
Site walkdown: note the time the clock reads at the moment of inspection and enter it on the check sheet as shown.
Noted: 6:33
